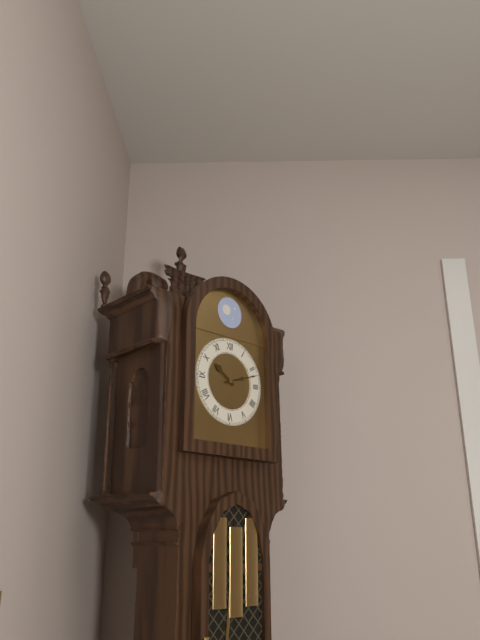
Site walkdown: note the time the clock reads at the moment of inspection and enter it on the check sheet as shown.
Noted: 10:12
